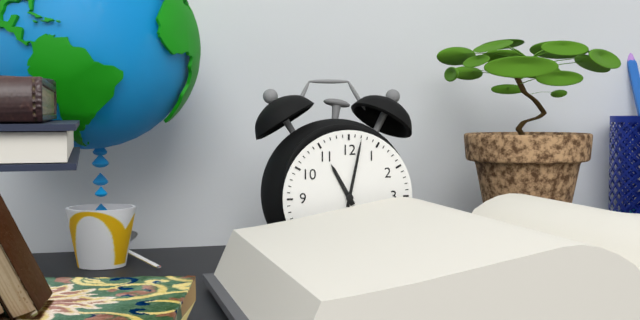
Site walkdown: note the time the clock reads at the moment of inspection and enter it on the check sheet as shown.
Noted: 11:02
